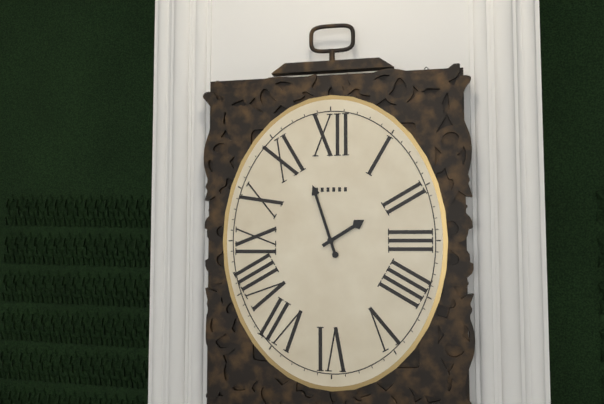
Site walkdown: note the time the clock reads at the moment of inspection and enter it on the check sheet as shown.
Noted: 1:57
